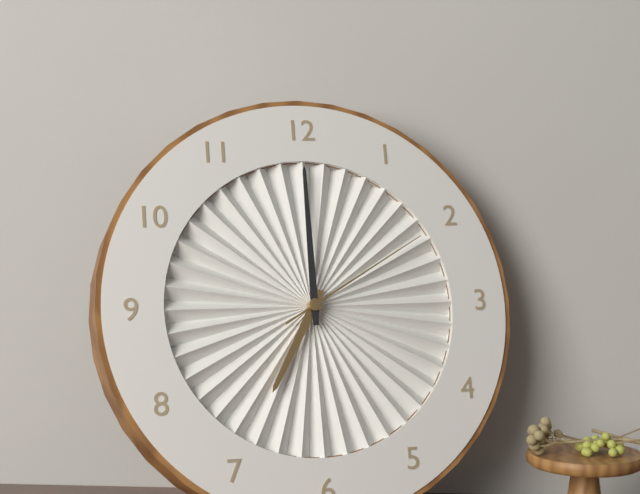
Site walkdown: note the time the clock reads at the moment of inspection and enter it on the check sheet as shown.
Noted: 7:00:10
